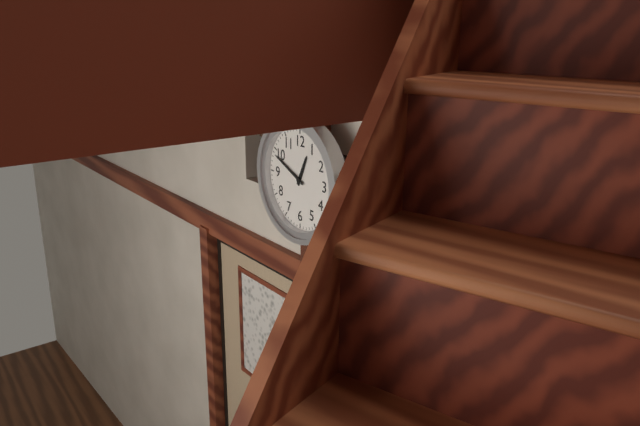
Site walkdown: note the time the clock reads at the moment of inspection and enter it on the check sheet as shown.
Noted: 12:49
